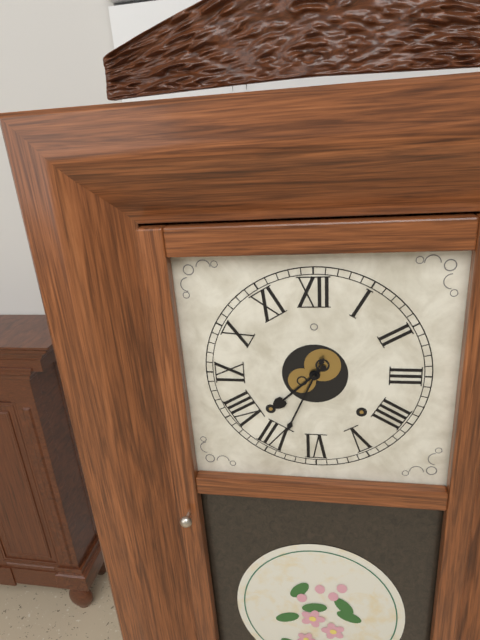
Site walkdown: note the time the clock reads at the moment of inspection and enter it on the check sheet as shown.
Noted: 7:34
